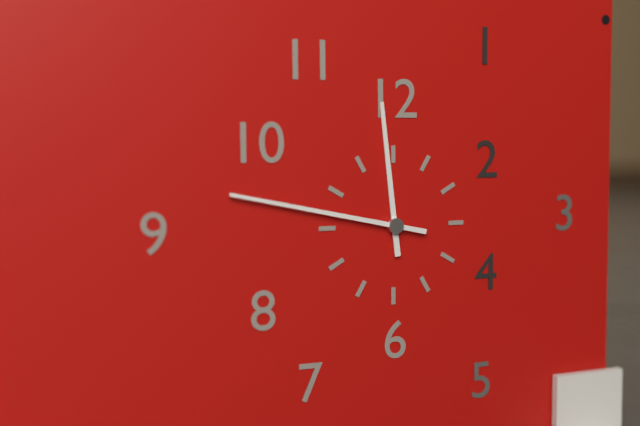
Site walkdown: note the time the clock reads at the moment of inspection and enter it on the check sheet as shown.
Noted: 11:47
